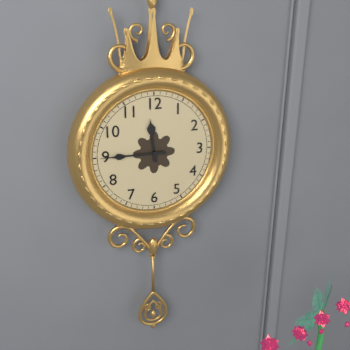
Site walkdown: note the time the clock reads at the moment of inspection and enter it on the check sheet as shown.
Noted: 11:45
